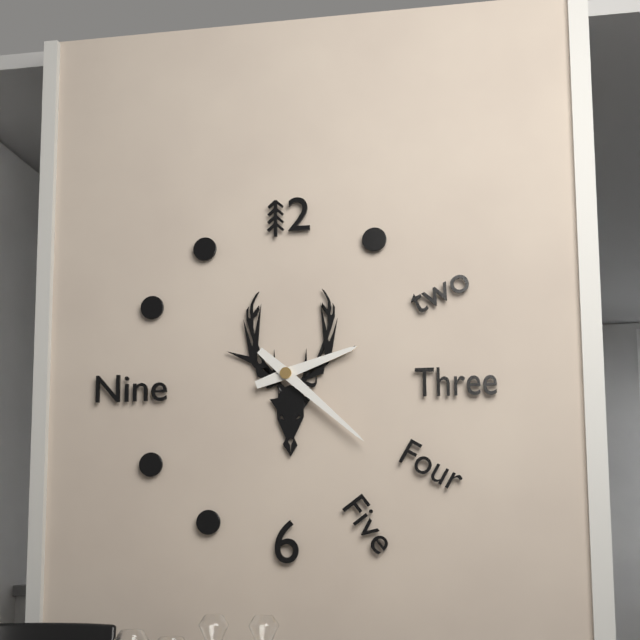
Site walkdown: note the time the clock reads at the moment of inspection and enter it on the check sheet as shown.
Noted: 2:22
